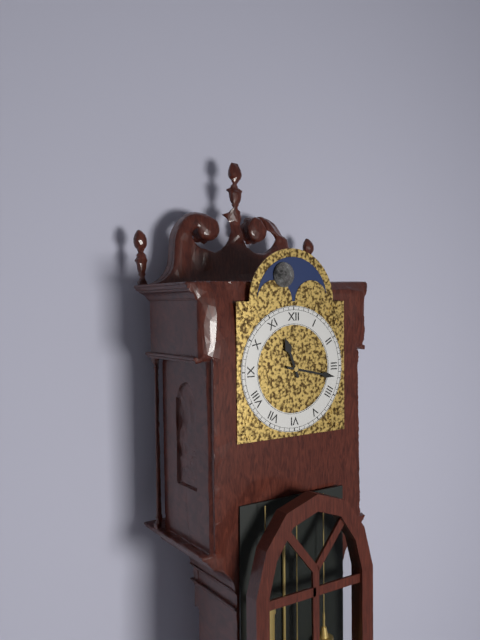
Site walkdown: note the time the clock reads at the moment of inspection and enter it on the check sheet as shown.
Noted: 11:17
